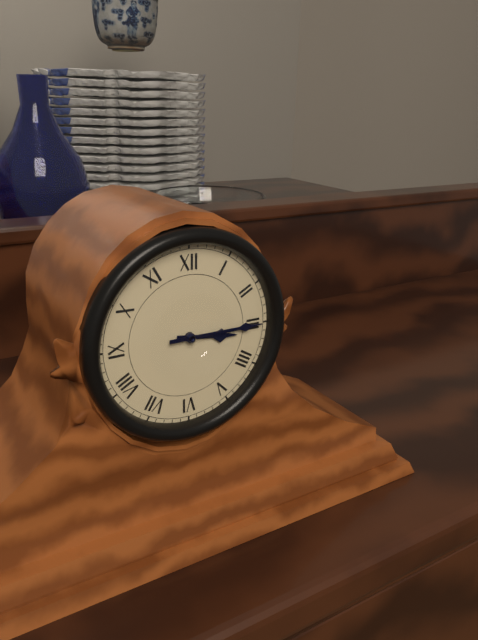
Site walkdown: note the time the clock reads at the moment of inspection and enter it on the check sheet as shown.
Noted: 3:15
